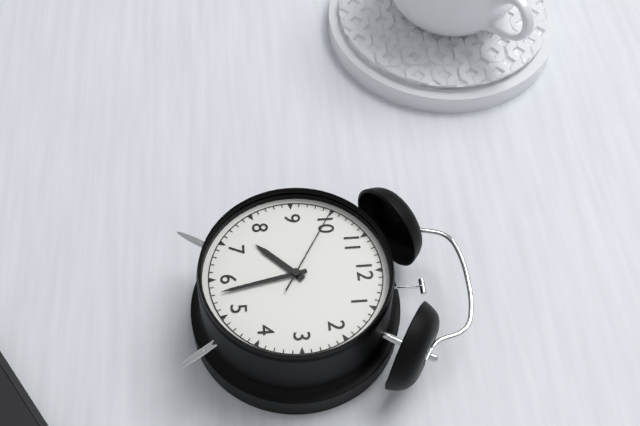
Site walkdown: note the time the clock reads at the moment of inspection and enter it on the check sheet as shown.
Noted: 7:28:50
